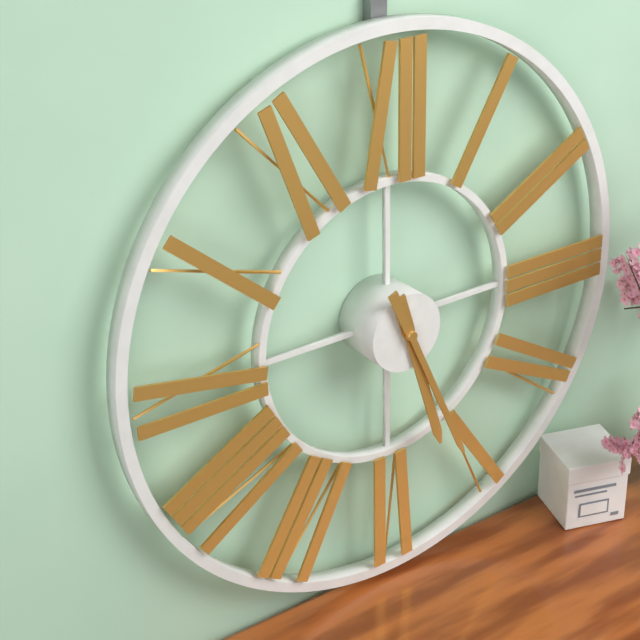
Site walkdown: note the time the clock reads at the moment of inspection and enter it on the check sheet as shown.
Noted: 5:26
